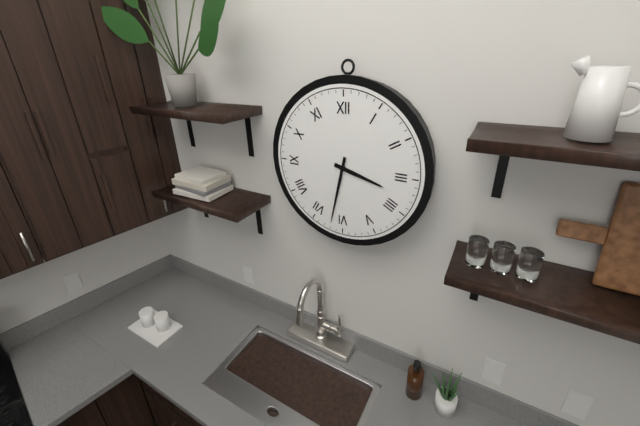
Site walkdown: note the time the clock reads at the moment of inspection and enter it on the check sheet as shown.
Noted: 3:32
